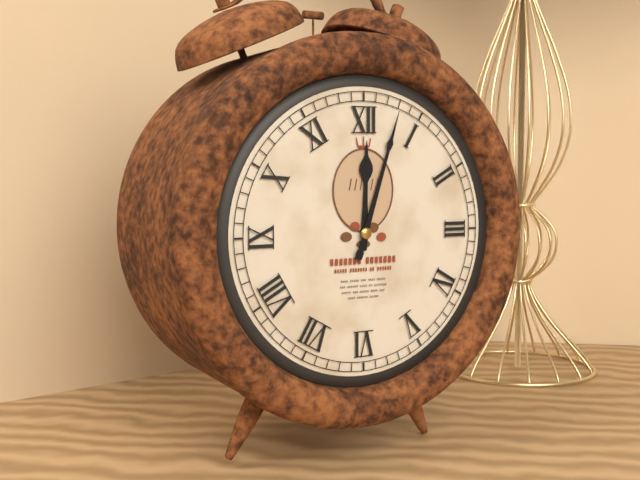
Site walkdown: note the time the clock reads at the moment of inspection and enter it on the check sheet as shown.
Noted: 12:03
